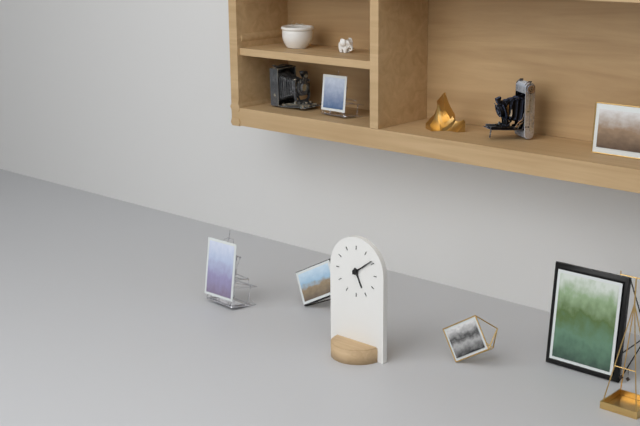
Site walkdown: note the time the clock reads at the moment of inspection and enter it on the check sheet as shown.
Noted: 5:09
